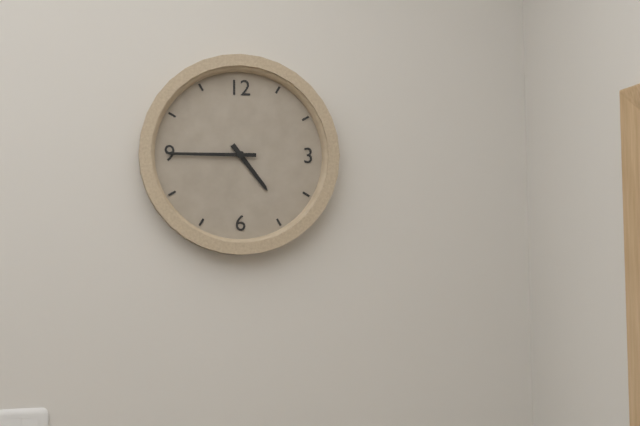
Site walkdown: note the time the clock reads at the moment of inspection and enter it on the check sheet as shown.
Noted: 4:45
